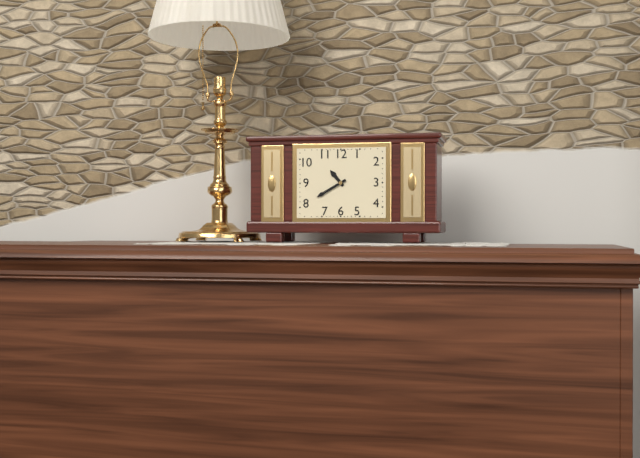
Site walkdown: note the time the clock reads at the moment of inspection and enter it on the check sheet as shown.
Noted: 10:40
